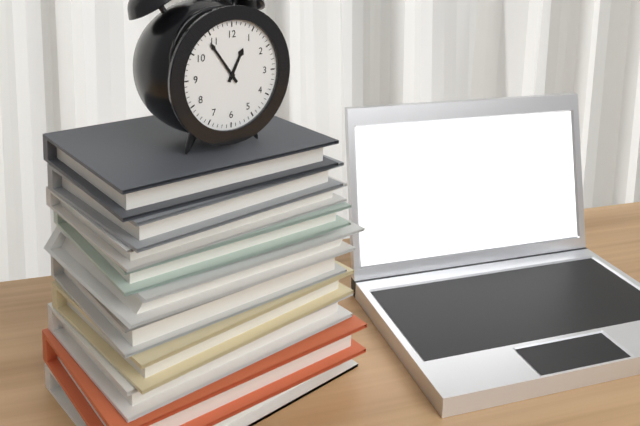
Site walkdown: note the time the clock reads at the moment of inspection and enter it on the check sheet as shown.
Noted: 12:54
